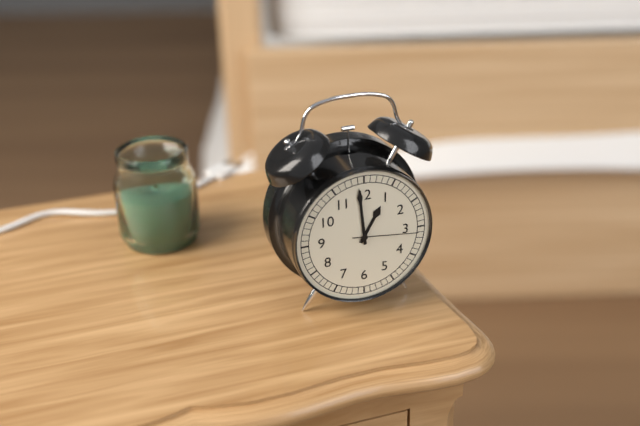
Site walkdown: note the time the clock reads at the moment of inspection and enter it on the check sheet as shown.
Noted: 12:59:16
